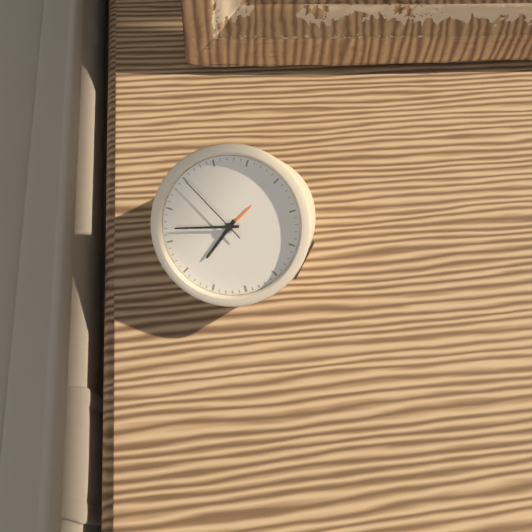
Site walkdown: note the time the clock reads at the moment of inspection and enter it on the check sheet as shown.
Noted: 6:42:50
